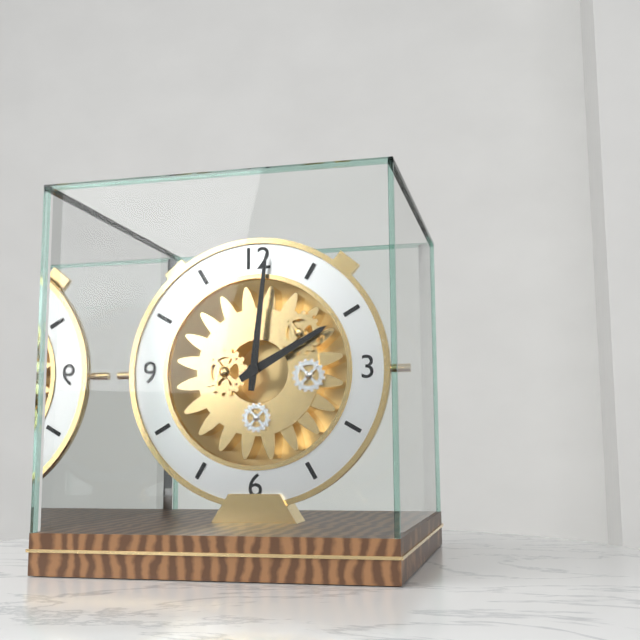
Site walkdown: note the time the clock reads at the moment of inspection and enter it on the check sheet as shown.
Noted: 2:01
